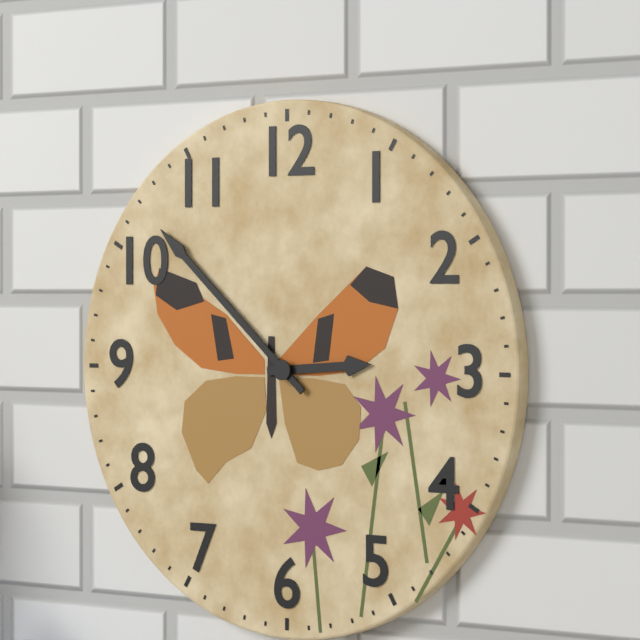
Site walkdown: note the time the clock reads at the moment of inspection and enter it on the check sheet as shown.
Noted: 2:52
